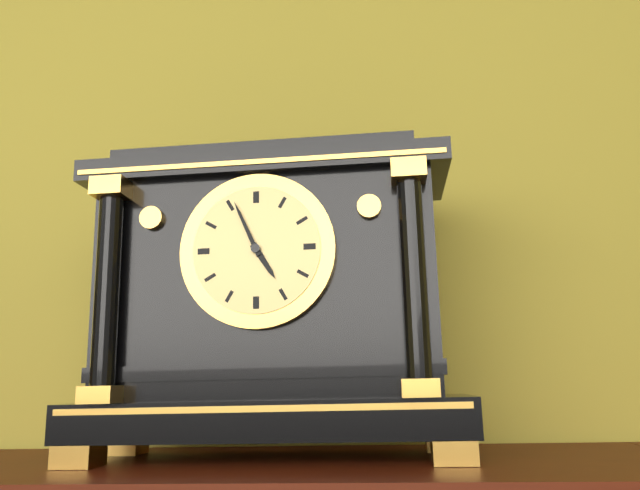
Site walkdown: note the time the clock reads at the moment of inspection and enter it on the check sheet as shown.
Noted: 4:56
